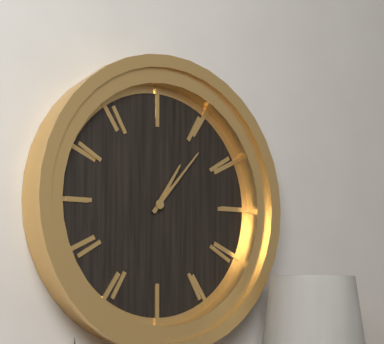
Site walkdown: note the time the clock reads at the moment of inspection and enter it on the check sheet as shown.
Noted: 1:07
